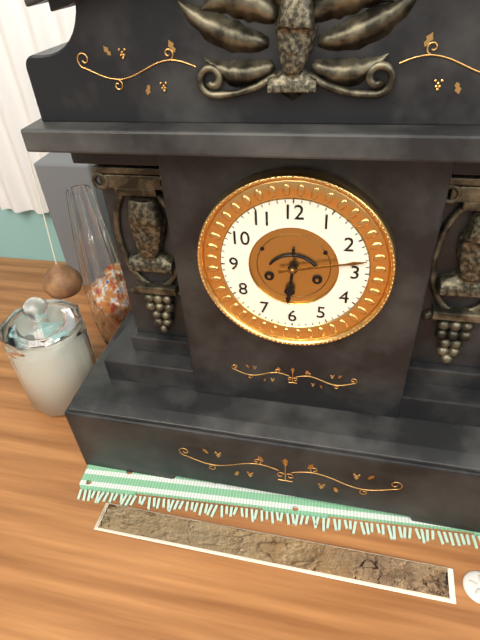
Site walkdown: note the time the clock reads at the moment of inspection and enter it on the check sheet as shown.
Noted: 6:13
